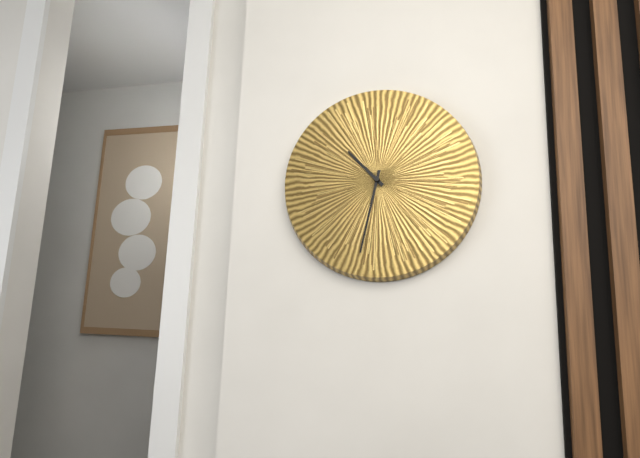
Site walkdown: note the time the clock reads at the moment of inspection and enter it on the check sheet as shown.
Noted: 10:32
